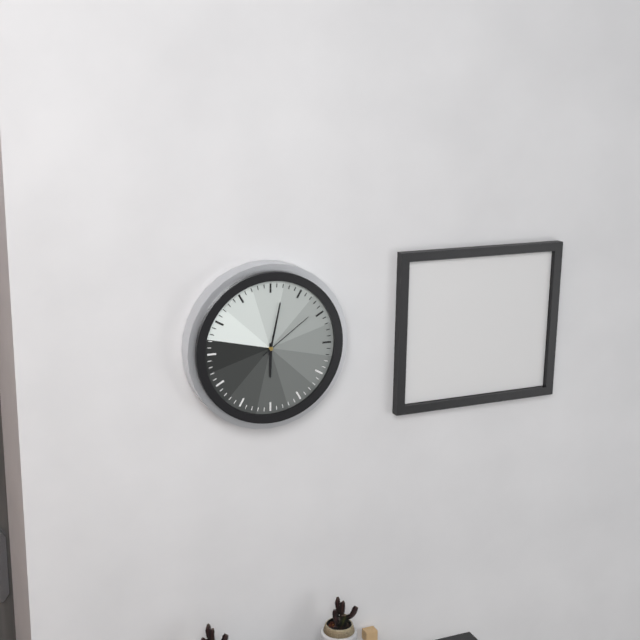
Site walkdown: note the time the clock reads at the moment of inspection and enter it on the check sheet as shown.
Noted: 6:02:09
